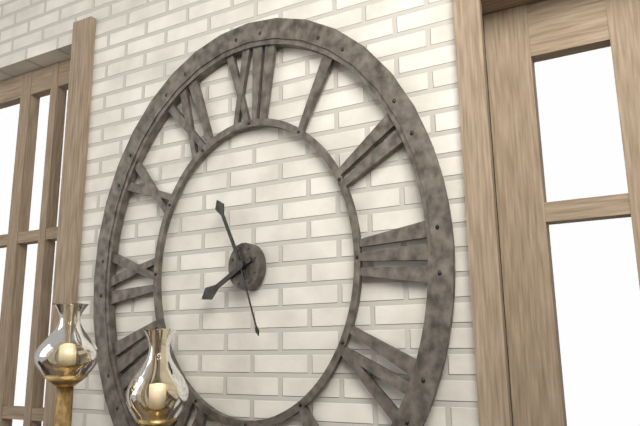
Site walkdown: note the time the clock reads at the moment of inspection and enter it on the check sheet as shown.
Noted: 7:56:27
